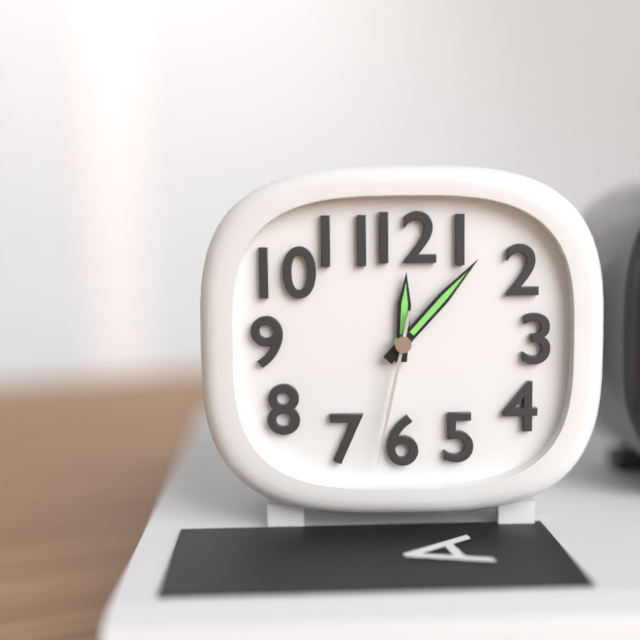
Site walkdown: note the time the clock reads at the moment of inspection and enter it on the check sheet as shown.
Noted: 12:07:32
